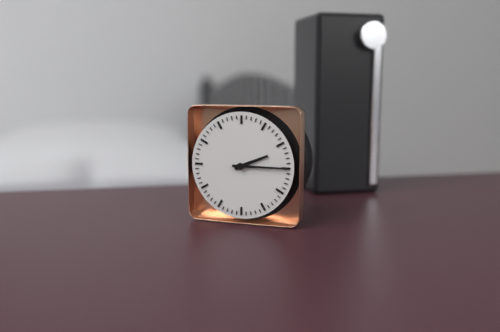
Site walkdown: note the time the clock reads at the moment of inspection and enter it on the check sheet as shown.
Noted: 2:15
